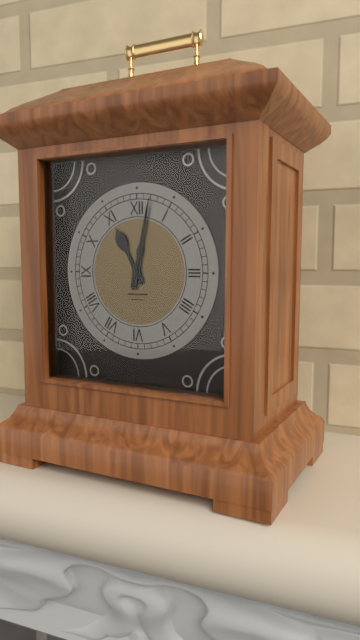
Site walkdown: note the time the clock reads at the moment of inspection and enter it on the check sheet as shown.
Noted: 11:02
